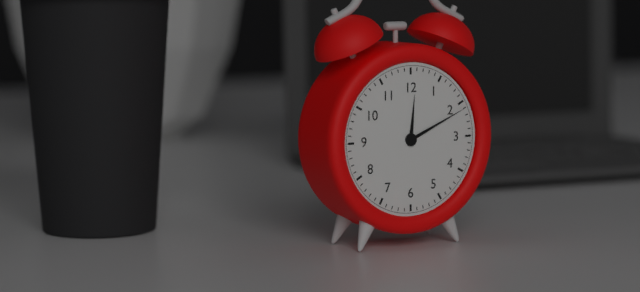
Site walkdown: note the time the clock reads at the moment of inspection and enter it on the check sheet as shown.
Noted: 12:11
